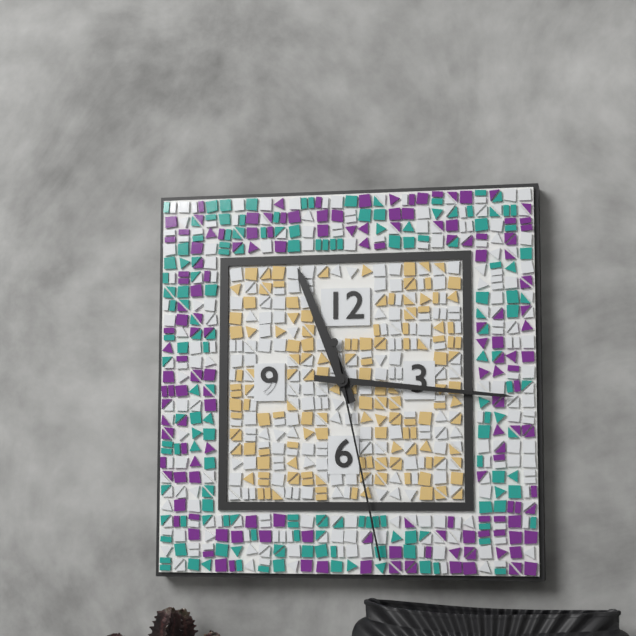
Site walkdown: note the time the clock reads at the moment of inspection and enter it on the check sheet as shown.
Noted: 11:16:28
